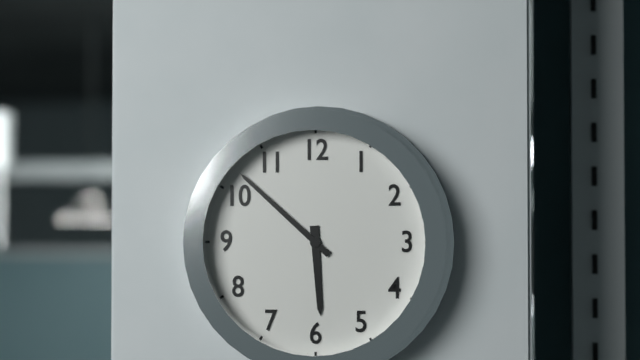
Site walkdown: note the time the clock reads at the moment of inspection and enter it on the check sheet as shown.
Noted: 5:52
